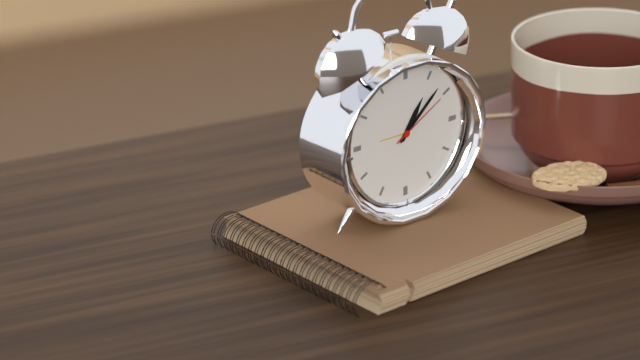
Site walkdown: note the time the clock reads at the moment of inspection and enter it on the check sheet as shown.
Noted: 1:08:10
